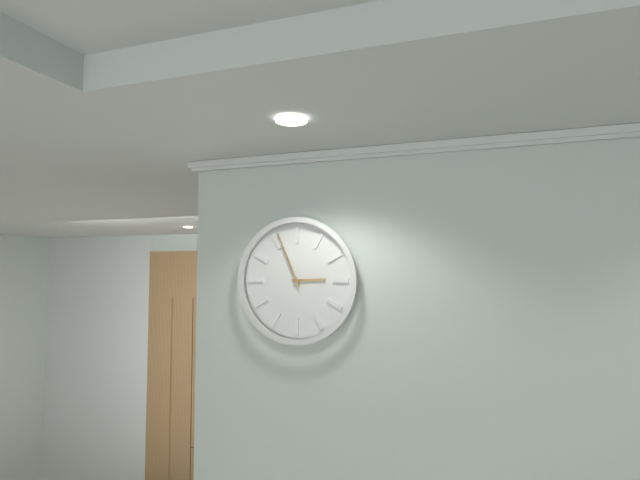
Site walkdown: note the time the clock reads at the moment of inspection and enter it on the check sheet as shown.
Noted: 2:56
